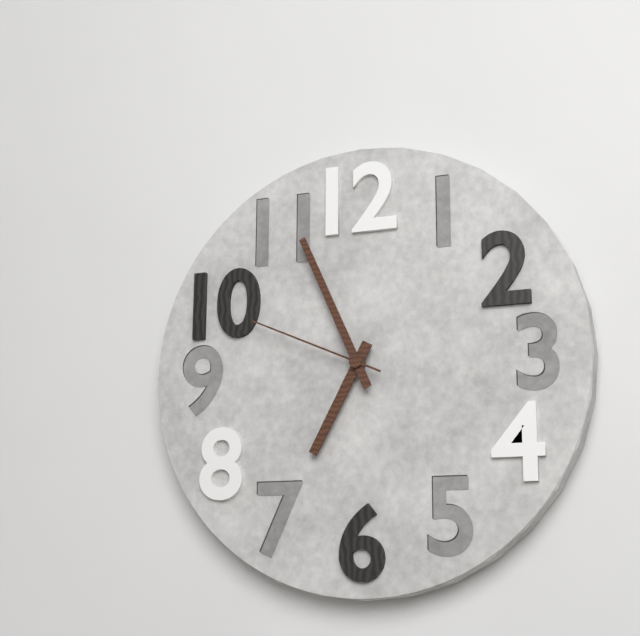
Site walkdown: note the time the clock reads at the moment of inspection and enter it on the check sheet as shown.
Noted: 6:56:49
